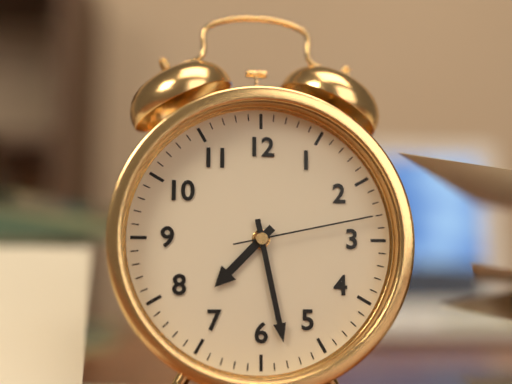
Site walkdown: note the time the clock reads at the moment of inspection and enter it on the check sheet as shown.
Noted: 7:28:13
